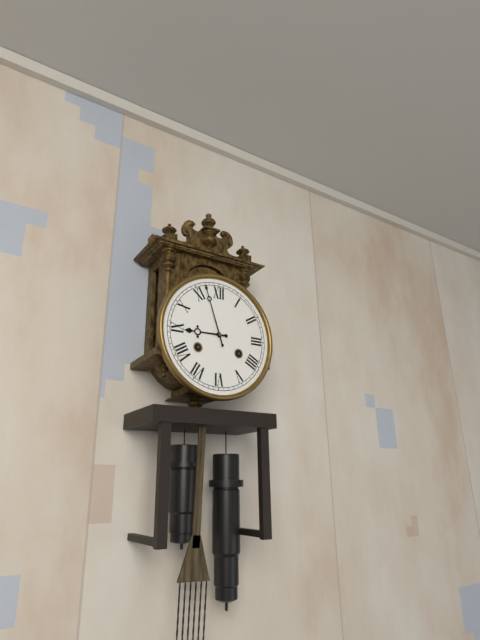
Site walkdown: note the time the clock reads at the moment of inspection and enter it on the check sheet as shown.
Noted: 8:57
